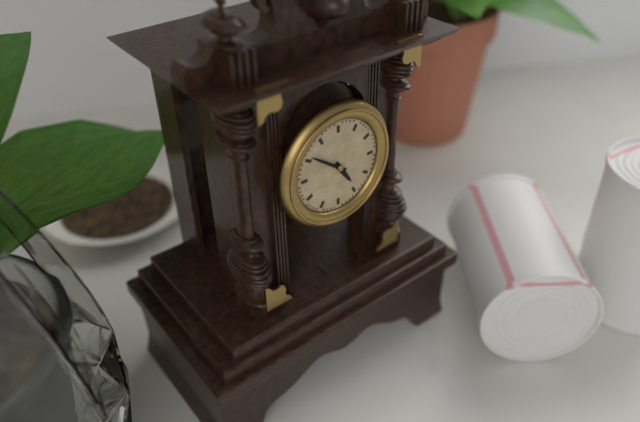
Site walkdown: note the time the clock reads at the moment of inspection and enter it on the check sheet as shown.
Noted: 4:51
